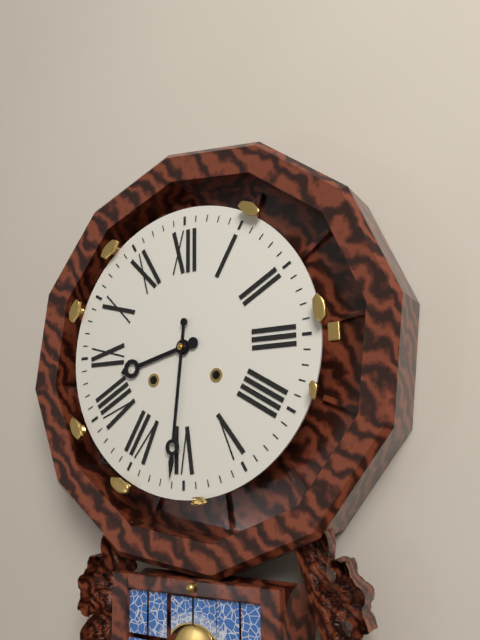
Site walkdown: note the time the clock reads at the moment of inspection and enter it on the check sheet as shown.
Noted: 8:31
